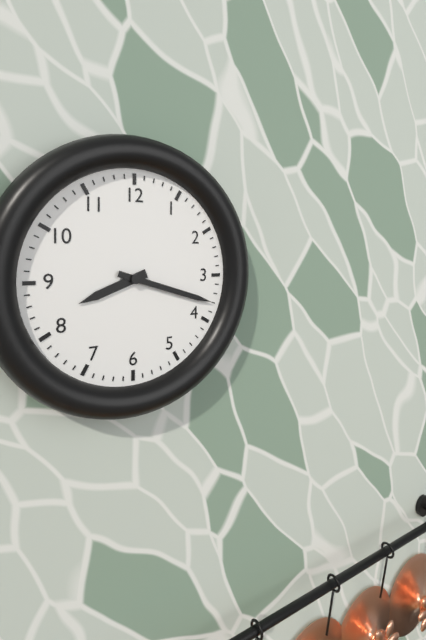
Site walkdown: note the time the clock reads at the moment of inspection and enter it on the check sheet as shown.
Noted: 8:18
